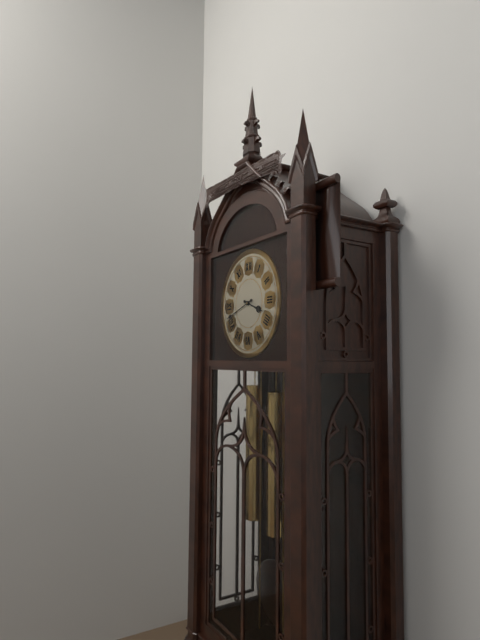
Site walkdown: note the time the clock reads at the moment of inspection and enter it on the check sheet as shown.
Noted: 3:42
